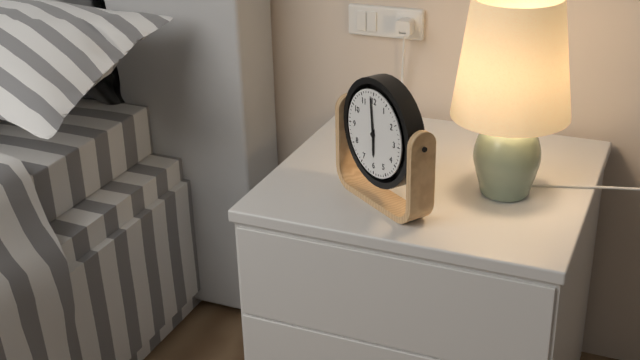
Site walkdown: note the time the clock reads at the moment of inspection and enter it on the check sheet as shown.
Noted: 5:59
